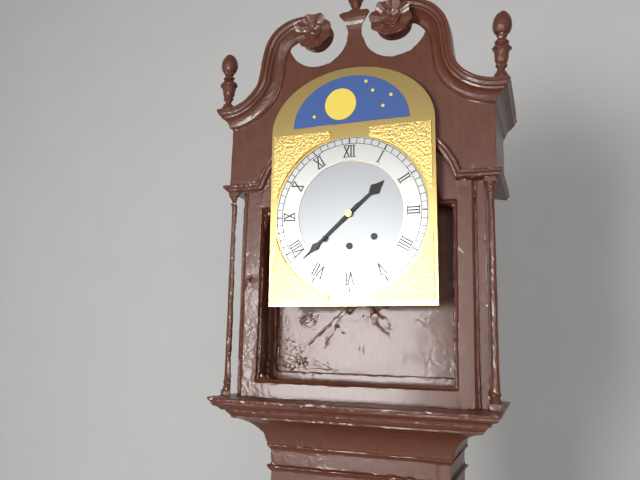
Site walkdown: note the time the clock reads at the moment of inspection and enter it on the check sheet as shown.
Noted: 1:38
